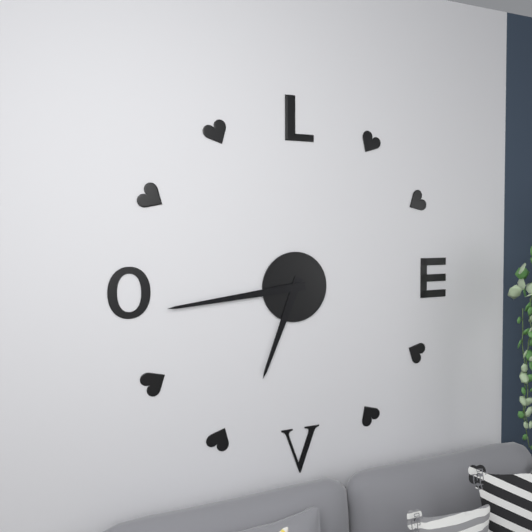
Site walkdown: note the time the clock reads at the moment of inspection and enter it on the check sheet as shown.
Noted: 6:44
